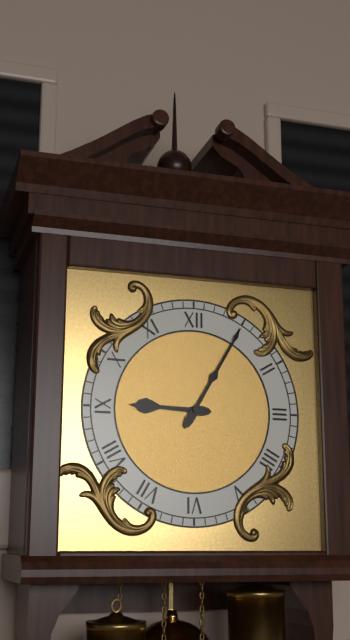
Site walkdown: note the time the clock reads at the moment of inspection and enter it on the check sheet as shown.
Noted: 9:05
